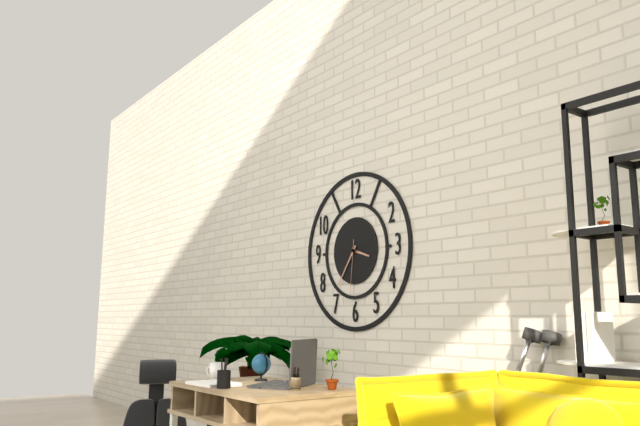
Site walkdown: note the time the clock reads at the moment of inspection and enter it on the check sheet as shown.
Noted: 3:36:31
